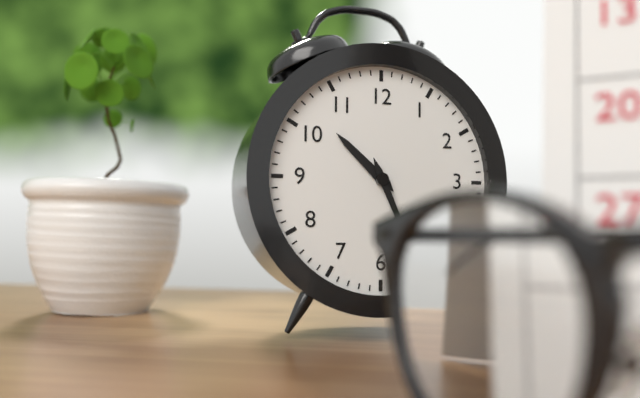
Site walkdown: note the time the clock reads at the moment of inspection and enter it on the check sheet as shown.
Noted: 10:26
